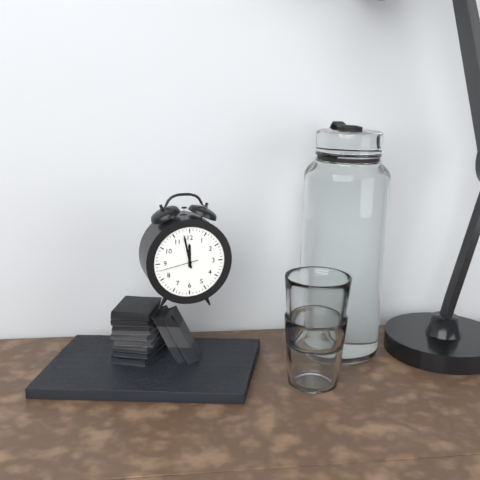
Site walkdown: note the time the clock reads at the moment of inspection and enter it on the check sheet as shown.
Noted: 11:58
